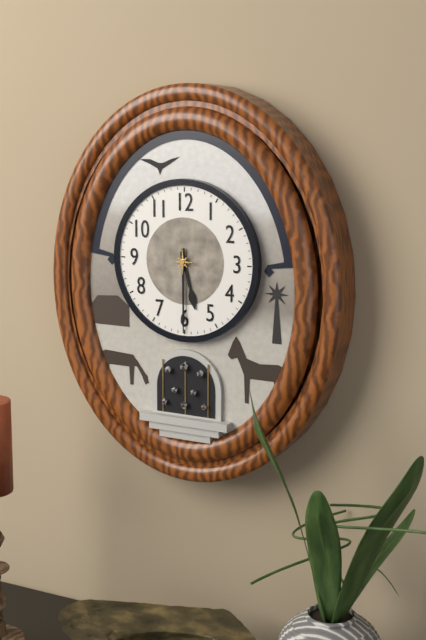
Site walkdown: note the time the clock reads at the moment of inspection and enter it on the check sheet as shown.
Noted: 5:30
